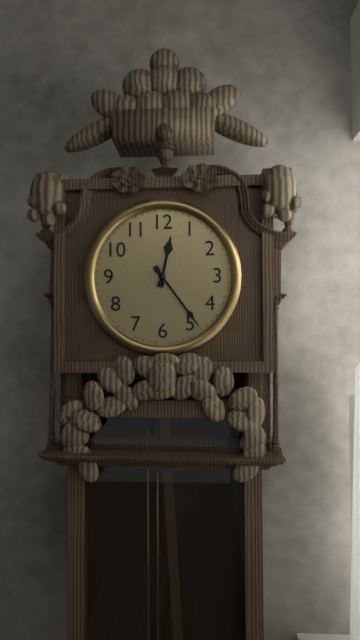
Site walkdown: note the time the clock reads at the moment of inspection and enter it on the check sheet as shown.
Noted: 12:24
